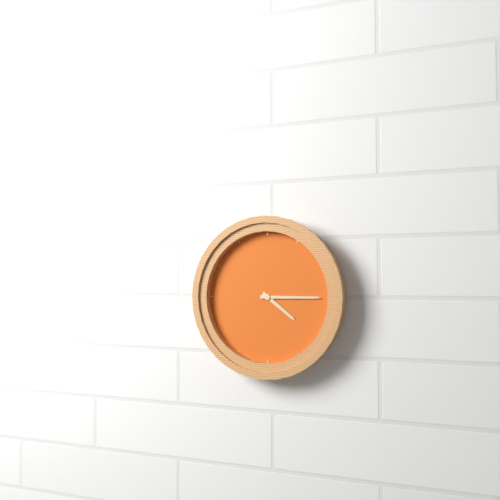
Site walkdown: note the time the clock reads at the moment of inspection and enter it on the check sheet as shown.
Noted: 4:15
